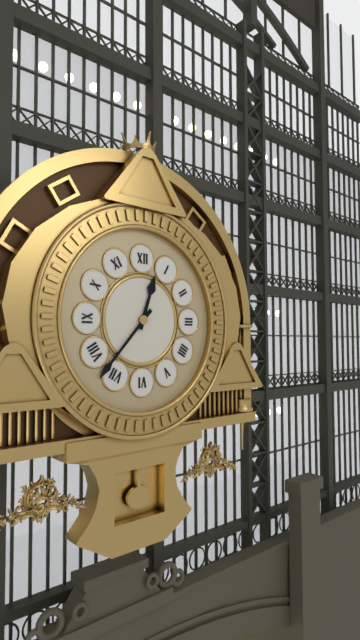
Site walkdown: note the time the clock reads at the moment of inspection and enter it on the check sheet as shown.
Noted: 12:37
